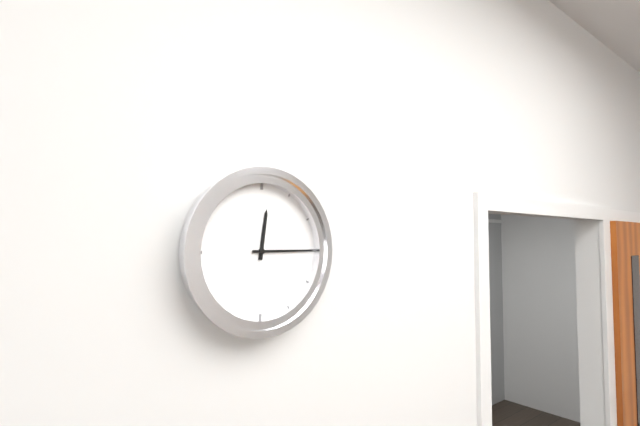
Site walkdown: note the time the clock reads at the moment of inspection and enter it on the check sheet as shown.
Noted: 12:15
